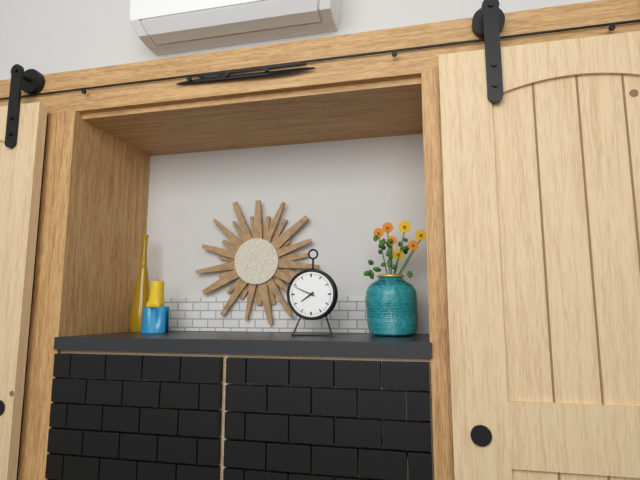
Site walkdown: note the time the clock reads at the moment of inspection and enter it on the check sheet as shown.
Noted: 7:49
